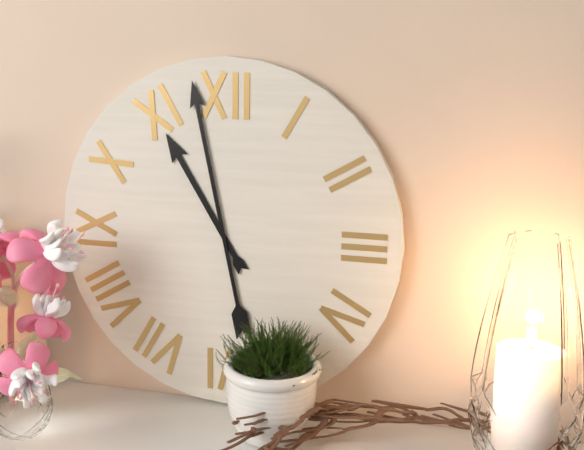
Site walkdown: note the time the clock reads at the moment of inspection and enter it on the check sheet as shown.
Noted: 10:58
